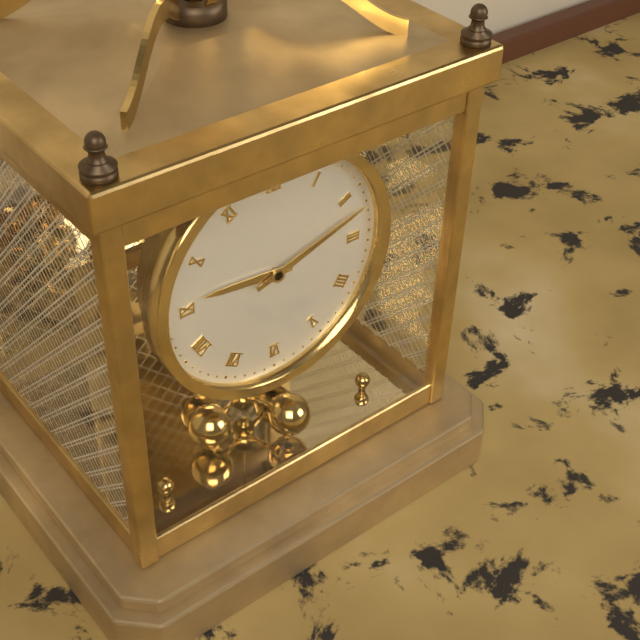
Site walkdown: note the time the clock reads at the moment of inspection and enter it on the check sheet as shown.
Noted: 9:12
